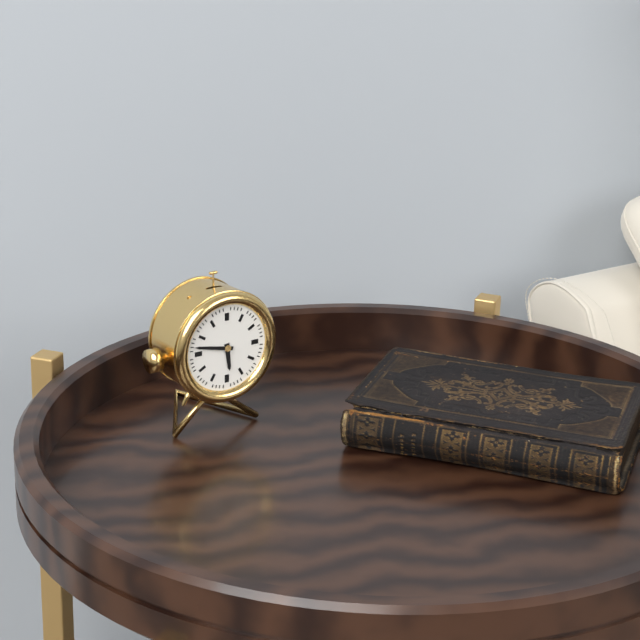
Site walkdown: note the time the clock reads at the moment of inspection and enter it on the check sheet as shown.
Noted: 5:47
